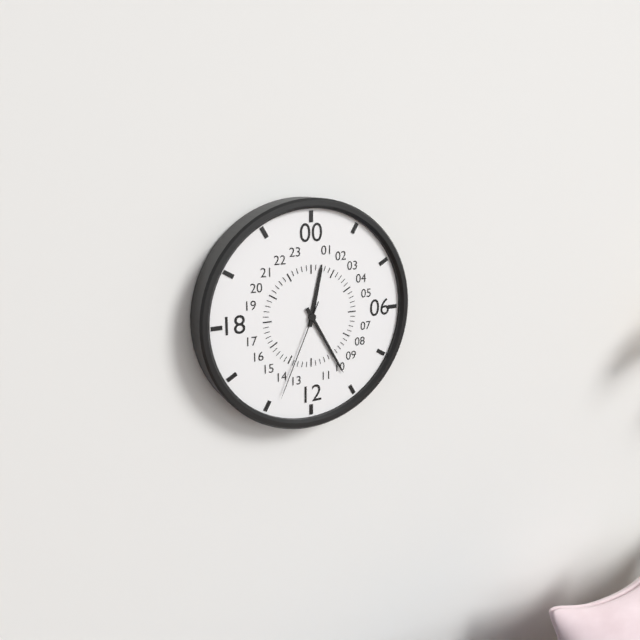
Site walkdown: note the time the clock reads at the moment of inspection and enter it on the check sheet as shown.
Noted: 12:25:34
